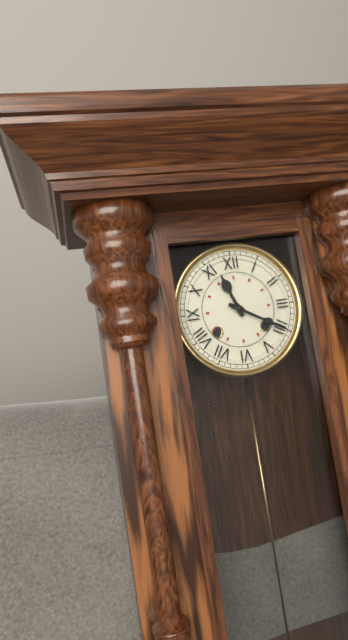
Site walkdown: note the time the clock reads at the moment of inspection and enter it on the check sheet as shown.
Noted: 11:20
